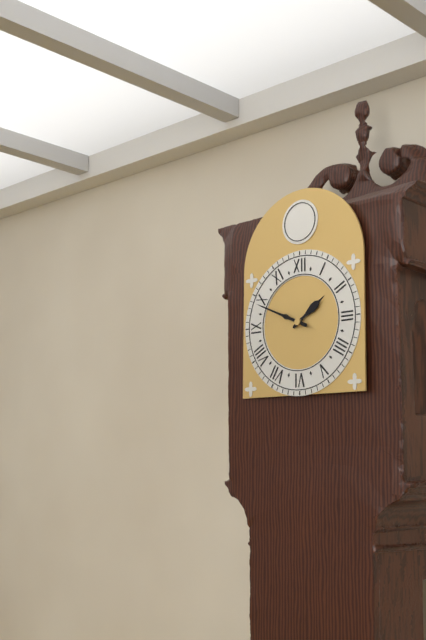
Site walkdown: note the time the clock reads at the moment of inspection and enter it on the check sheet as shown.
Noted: 1:49
